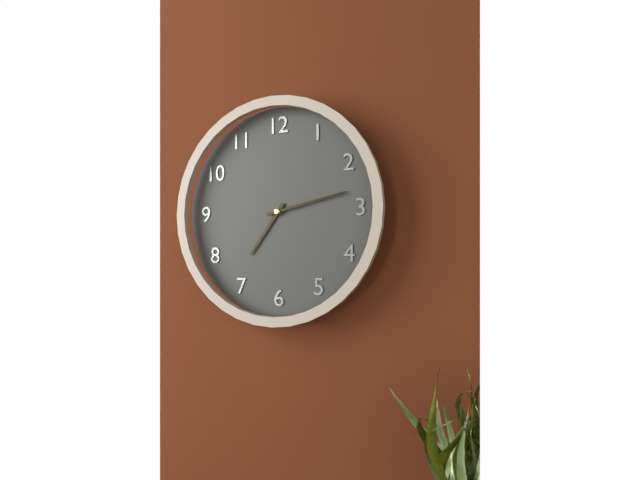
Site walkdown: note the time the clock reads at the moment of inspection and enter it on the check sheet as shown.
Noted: 7:13
